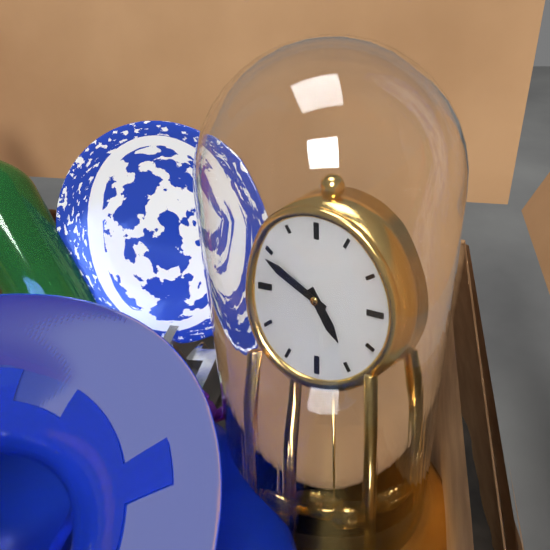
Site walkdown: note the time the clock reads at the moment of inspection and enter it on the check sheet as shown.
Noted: 4:49
